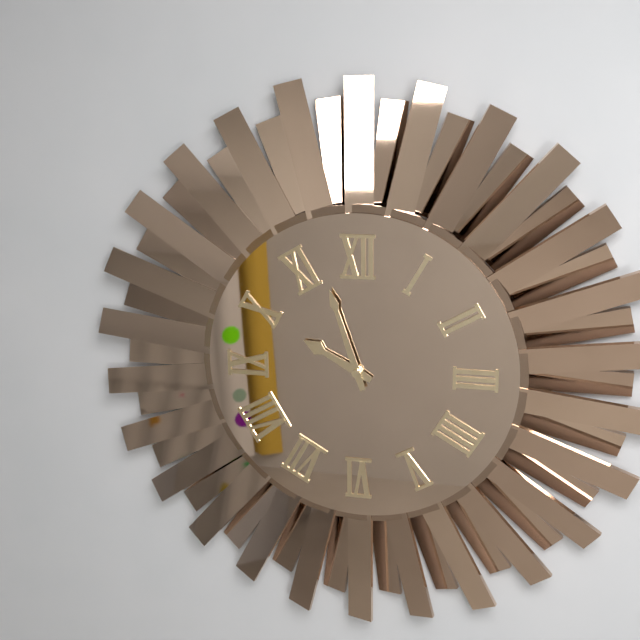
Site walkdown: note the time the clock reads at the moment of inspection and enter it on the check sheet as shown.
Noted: 9:57
